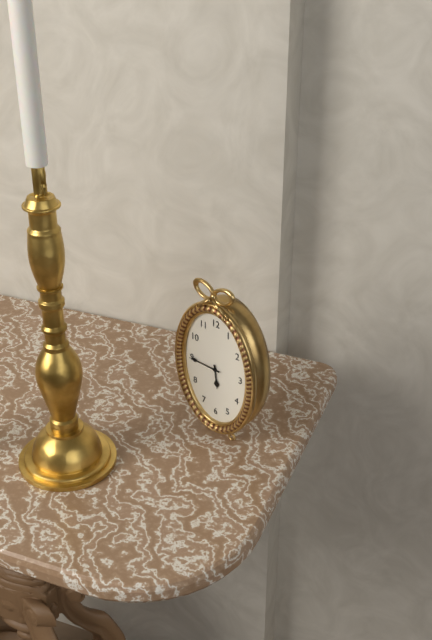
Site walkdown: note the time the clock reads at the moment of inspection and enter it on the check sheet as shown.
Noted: 5:45
